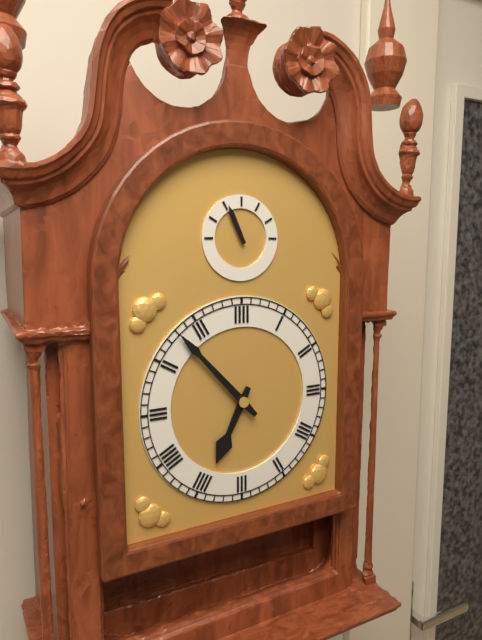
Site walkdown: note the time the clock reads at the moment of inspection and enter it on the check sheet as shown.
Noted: 6:53
